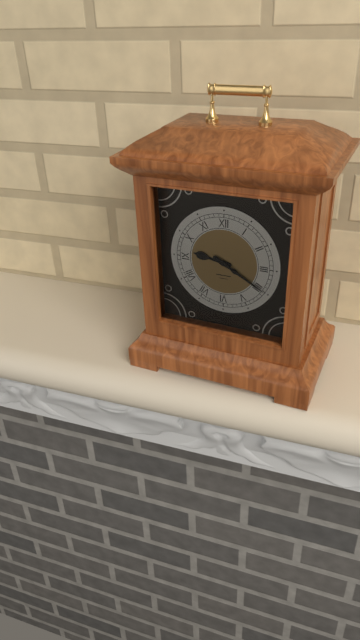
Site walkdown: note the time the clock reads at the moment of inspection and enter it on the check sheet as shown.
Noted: 9:20
